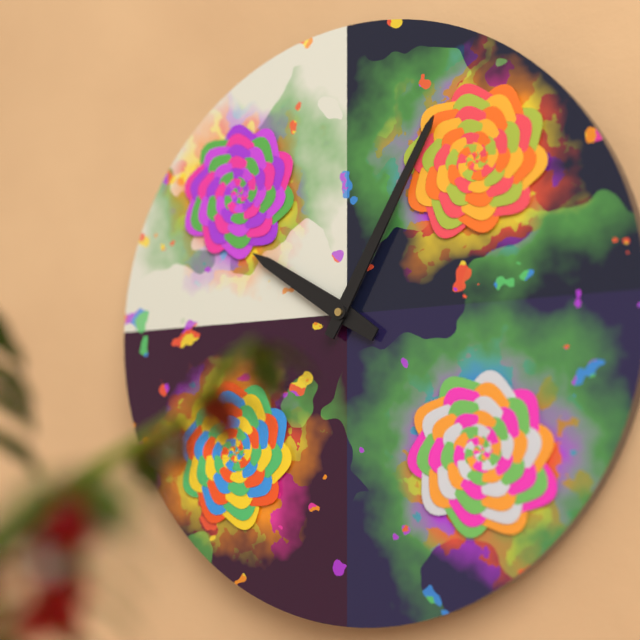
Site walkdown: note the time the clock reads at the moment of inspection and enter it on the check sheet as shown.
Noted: 10:05
